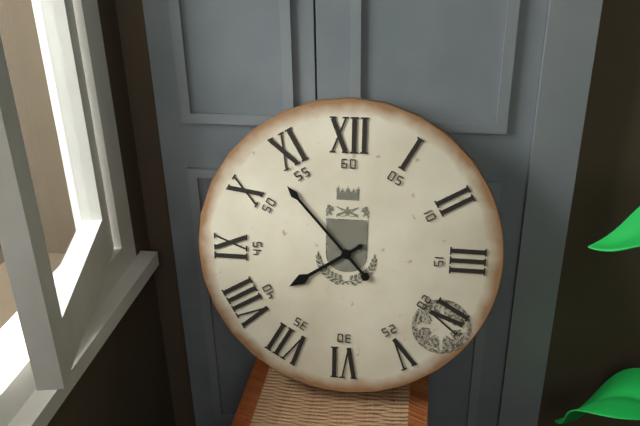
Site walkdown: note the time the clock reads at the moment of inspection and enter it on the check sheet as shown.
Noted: 7:53
